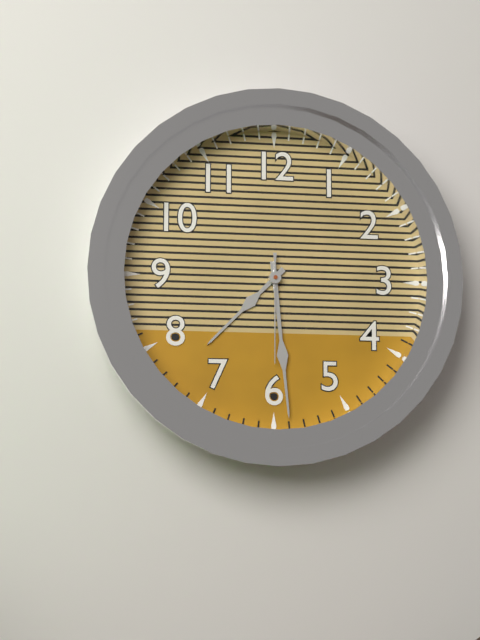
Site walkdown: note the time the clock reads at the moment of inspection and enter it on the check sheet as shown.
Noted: 7:29:30
